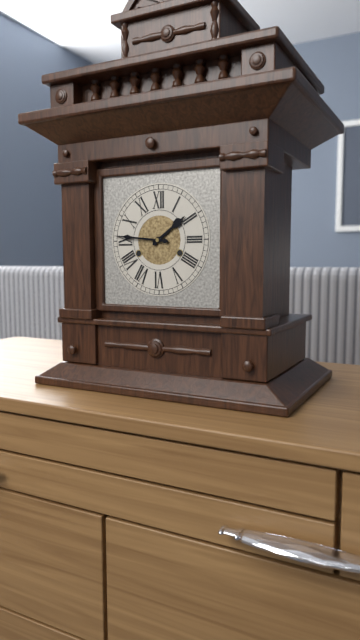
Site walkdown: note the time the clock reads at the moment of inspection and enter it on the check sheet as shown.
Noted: 1:46
